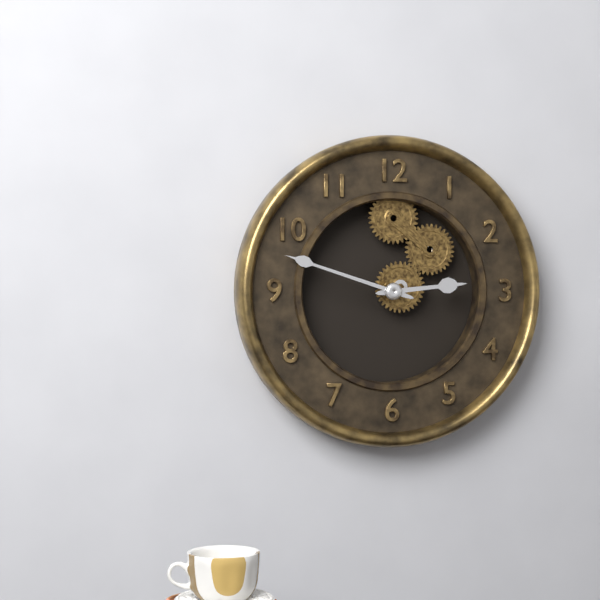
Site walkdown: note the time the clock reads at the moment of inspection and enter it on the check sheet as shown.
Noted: 2:48
